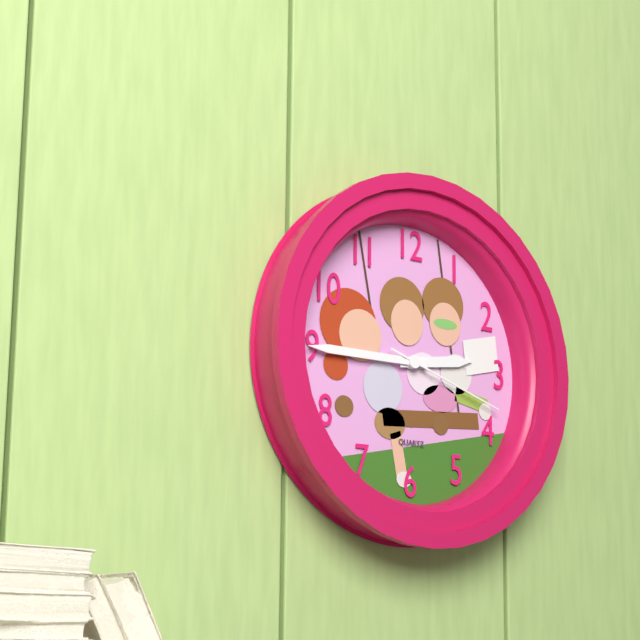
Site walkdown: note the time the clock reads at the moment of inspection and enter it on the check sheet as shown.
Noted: 2:45:18
